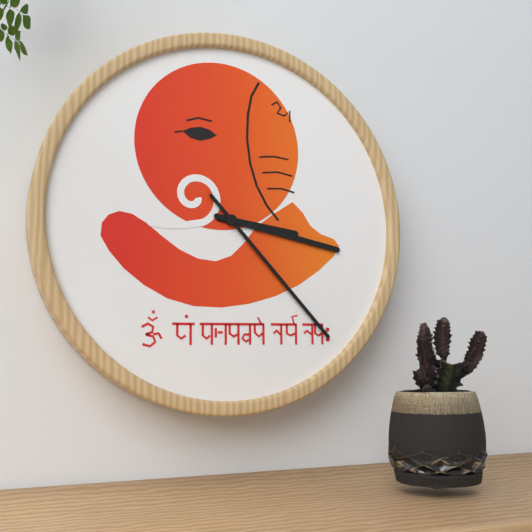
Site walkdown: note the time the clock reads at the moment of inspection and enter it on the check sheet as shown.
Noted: 3:17:23
